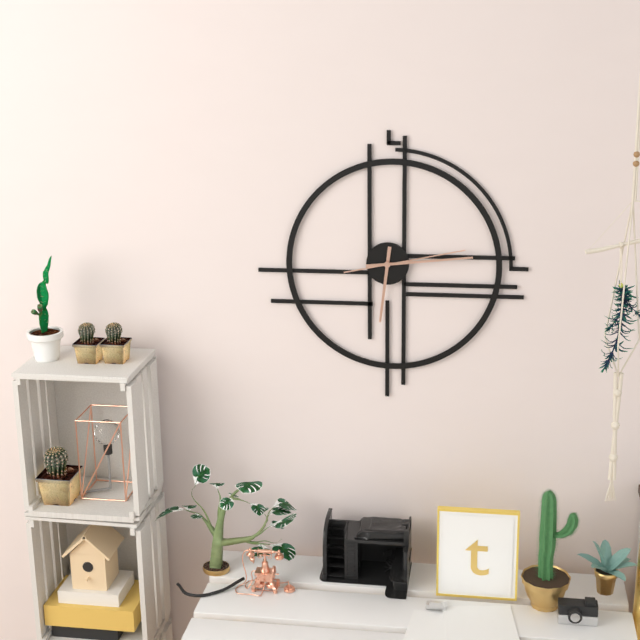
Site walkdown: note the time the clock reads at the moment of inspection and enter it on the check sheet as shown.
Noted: 6:14:13
